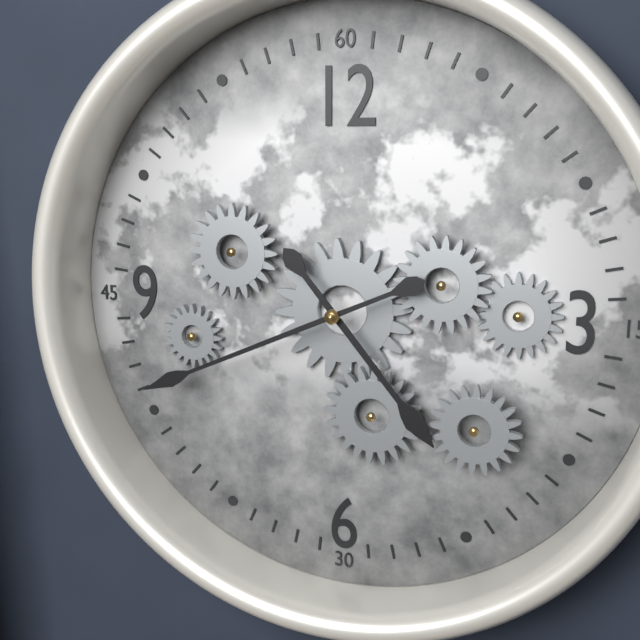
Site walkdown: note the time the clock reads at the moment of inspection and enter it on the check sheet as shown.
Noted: 4:41
